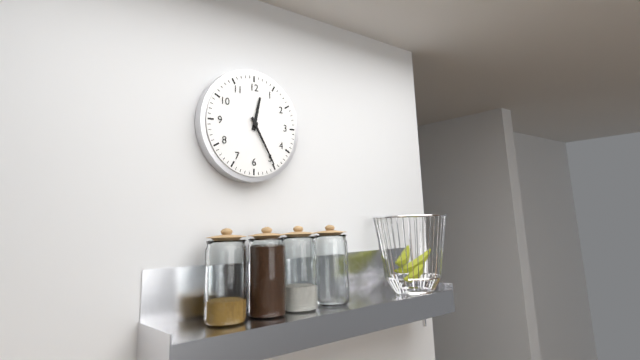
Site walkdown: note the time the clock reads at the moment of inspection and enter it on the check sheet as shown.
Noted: 12:25
